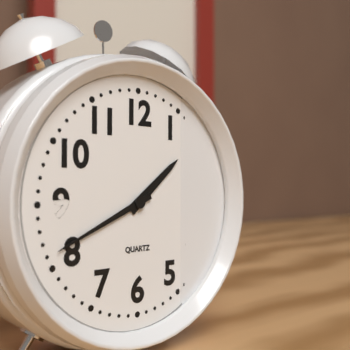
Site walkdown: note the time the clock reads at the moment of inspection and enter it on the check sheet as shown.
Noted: 1:41
